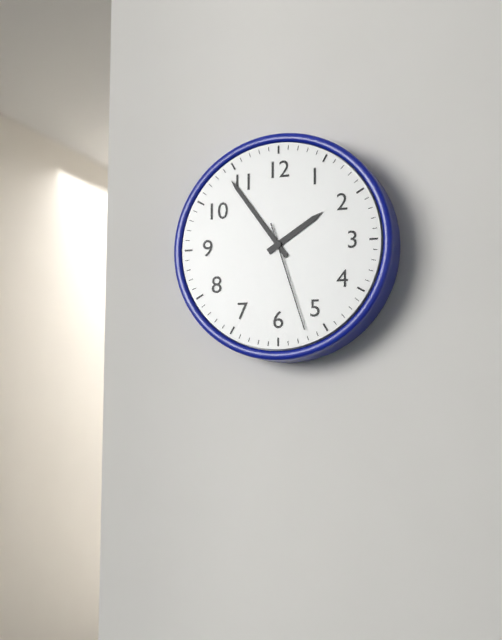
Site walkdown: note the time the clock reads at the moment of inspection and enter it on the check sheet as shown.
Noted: 1:54:27
